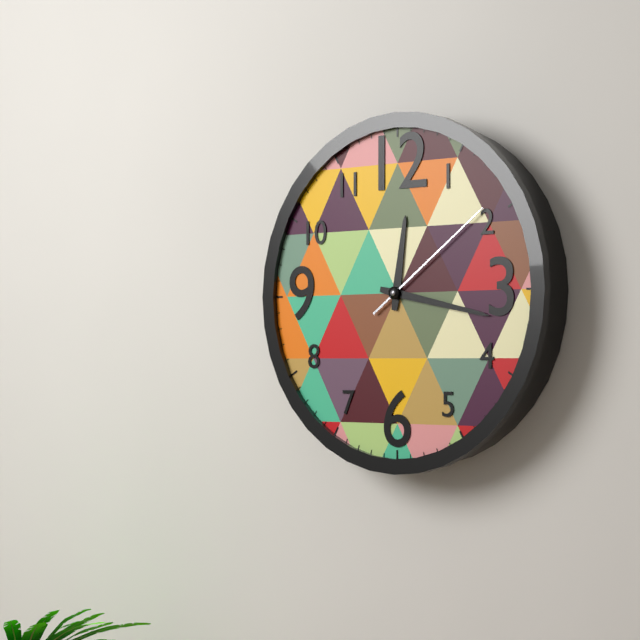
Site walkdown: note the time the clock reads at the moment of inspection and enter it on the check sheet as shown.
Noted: 12:17:09
